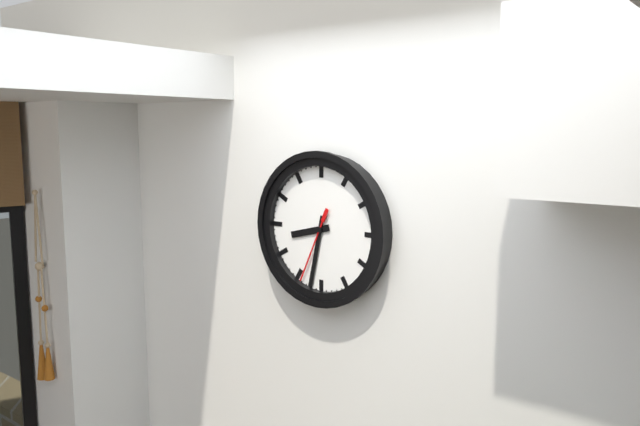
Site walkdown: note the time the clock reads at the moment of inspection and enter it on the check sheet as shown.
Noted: 8:32:34
